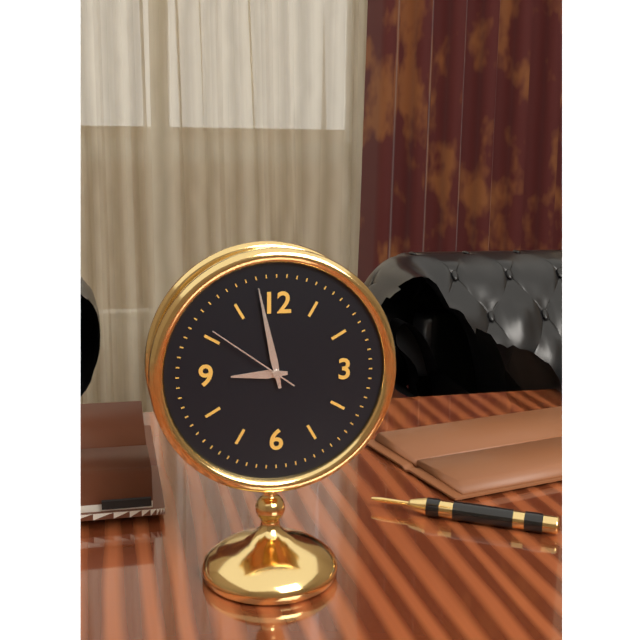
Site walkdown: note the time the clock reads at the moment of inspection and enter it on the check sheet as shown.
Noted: 8:58:51
